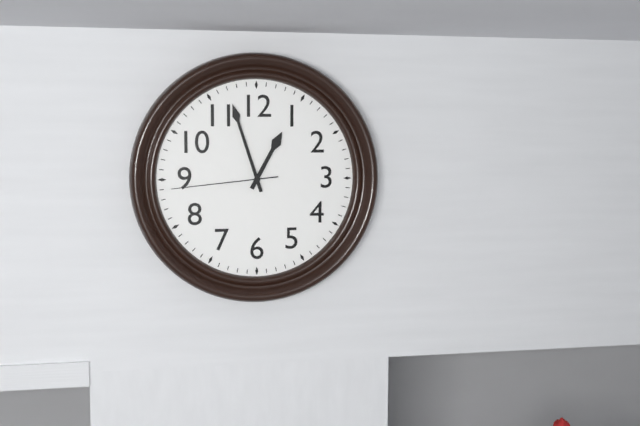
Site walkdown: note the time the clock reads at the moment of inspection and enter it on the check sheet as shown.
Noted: 12:57:44
